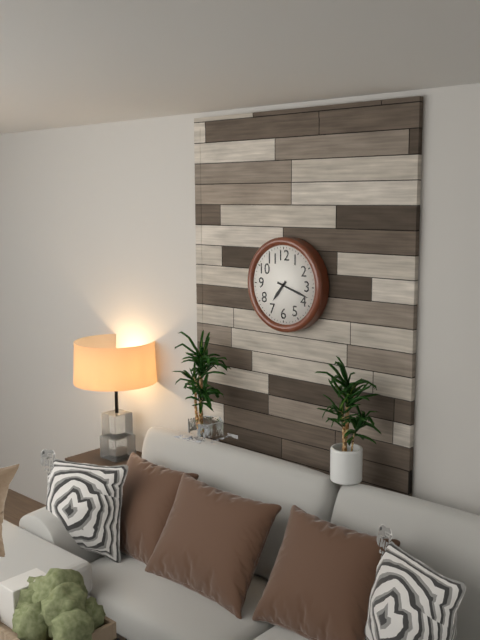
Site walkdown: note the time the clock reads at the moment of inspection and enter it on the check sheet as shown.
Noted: 7:18
